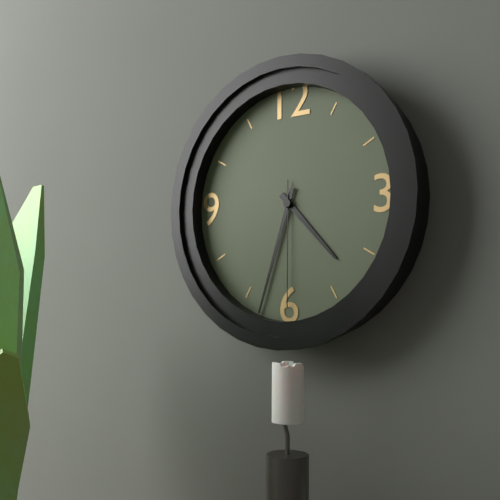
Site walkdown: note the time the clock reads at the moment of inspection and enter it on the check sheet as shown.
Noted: 4:33:30
